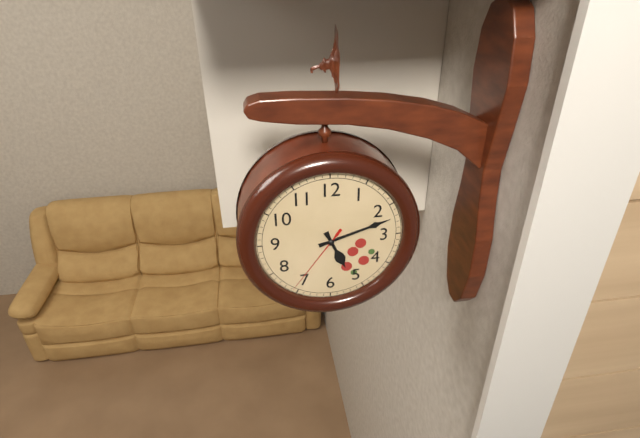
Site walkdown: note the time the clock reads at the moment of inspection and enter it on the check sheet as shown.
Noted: 5:12:36
